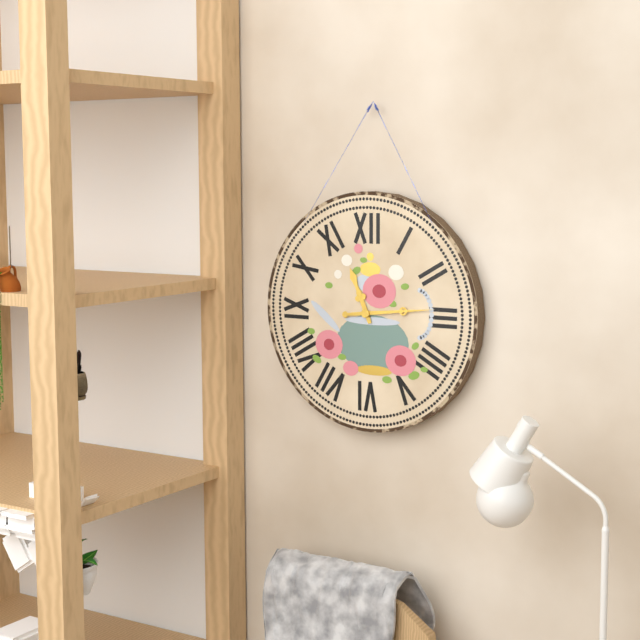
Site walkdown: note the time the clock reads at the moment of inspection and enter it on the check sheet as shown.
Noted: 11:14
